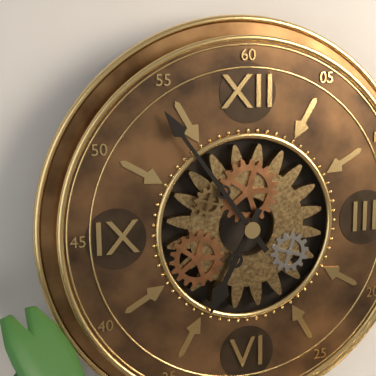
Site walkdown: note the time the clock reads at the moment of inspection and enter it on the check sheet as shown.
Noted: 6:54
